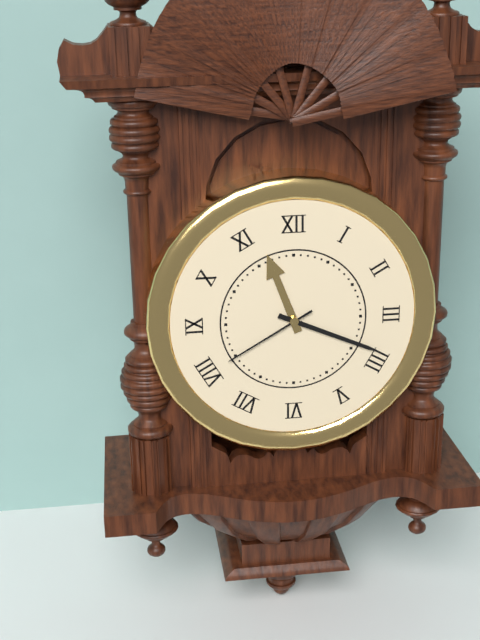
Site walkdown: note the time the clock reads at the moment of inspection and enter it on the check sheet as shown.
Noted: 11:19:40
